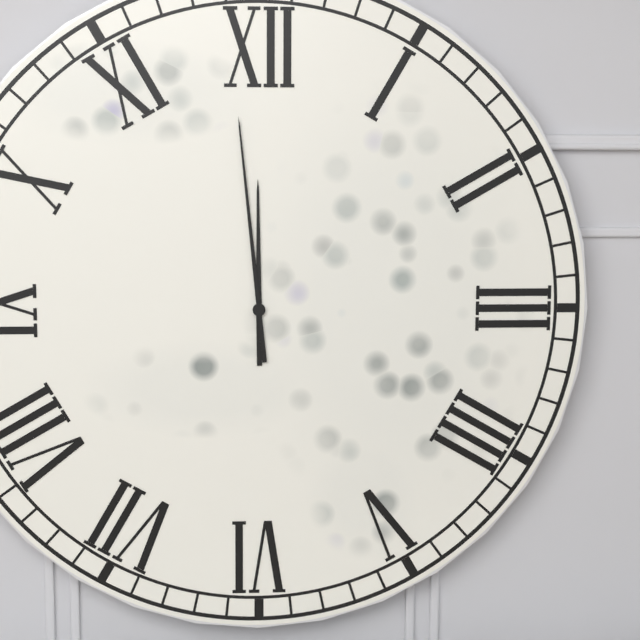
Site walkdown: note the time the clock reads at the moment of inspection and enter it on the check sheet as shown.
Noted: 11:59
